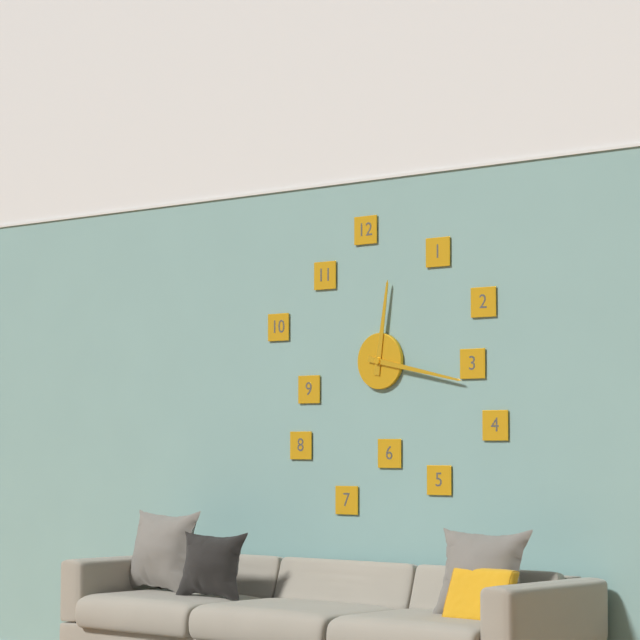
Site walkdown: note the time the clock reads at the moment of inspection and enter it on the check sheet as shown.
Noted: 12:17
